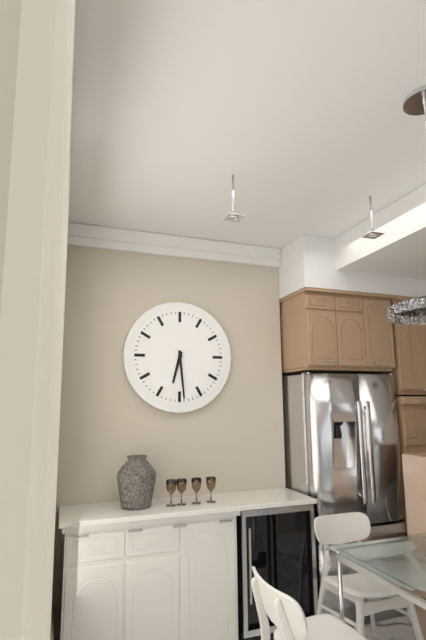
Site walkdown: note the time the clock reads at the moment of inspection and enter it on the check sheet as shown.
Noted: 6:29
